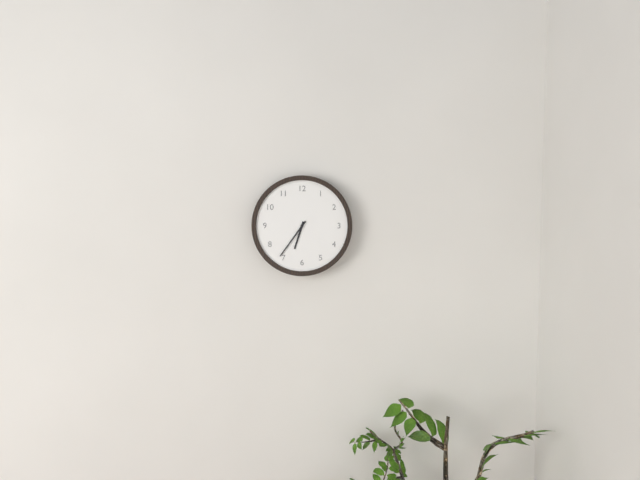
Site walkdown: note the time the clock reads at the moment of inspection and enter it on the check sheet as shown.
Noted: 6:36
